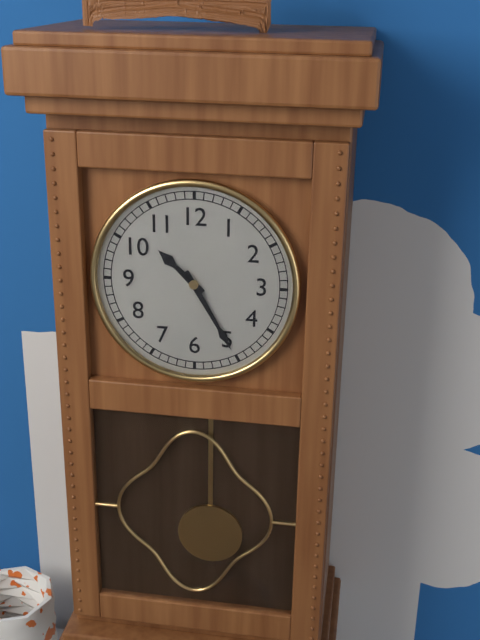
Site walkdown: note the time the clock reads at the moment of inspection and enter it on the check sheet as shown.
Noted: 10:25
